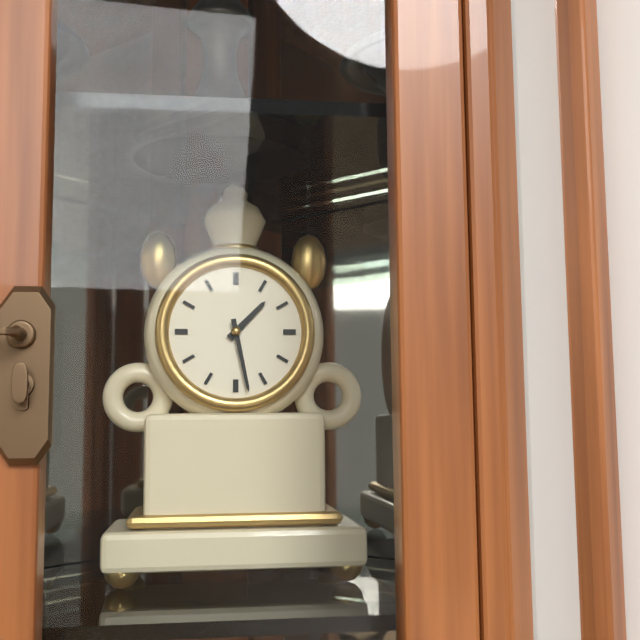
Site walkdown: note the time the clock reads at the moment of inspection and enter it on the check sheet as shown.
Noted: 1:28
